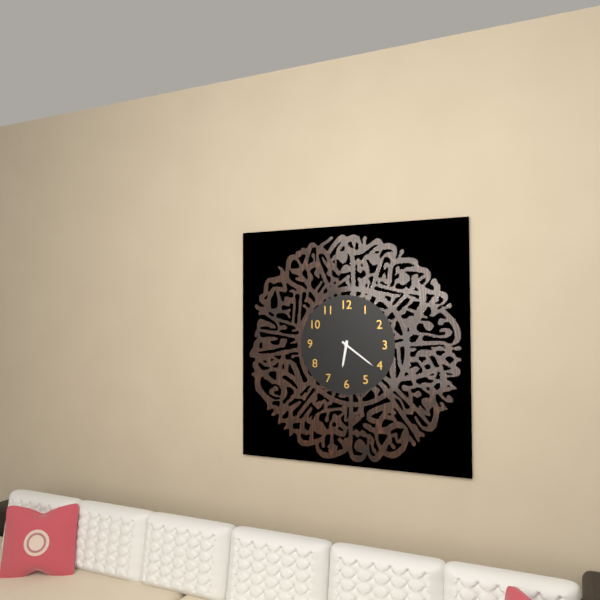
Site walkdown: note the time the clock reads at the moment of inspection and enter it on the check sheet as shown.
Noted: 6:21
